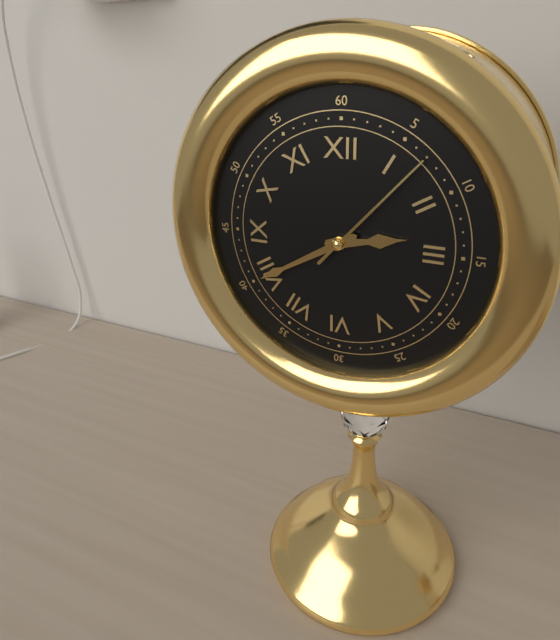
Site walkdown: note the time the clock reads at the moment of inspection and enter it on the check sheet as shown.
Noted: 2:40:07
